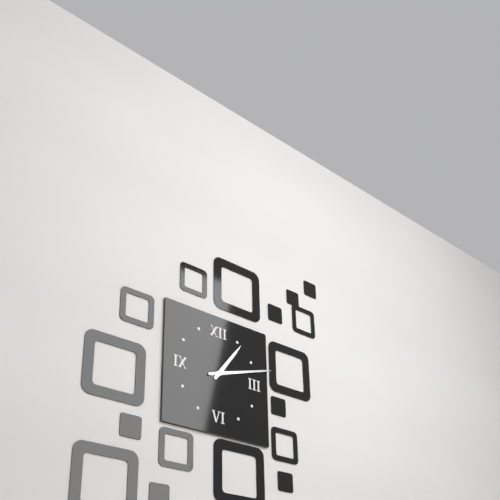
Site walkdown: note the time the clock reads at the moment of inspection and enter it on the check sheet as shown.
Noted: 1:12
